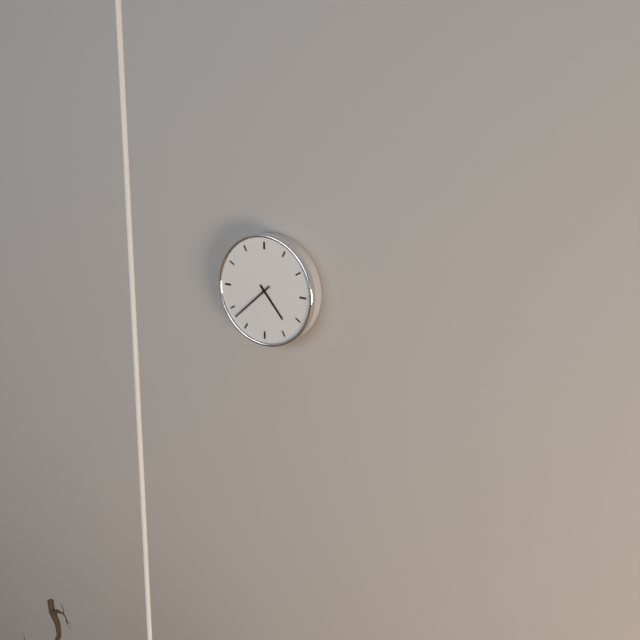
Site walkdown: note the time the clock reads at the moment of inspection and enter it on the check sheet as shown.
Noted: 4:38
